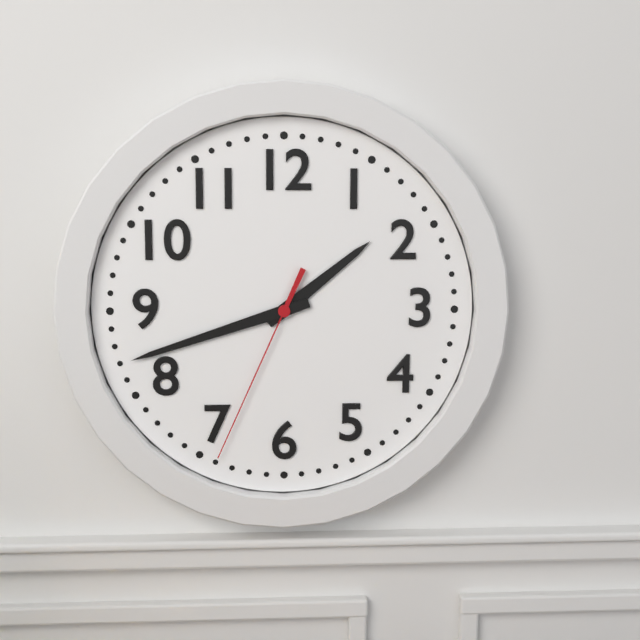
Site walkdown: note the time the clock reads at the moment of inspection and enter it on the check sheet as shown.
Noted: 1:42:34
